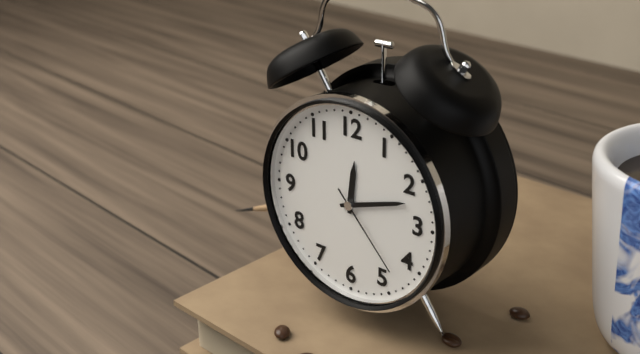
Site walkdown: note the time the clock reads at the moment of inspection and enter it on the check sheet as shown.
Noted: 12:12:23
